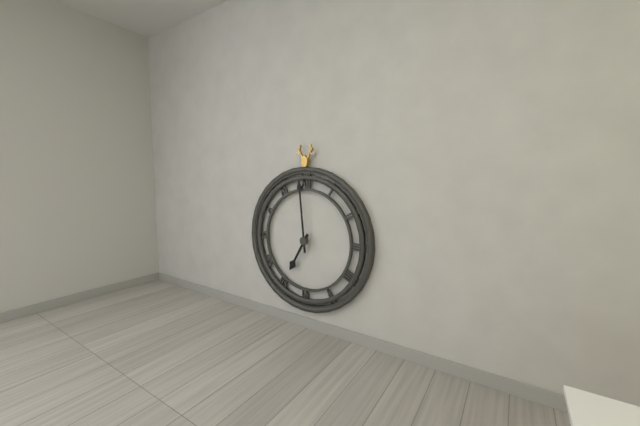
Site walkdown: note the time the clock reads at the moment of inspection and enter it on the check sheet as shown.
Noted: 6:59
